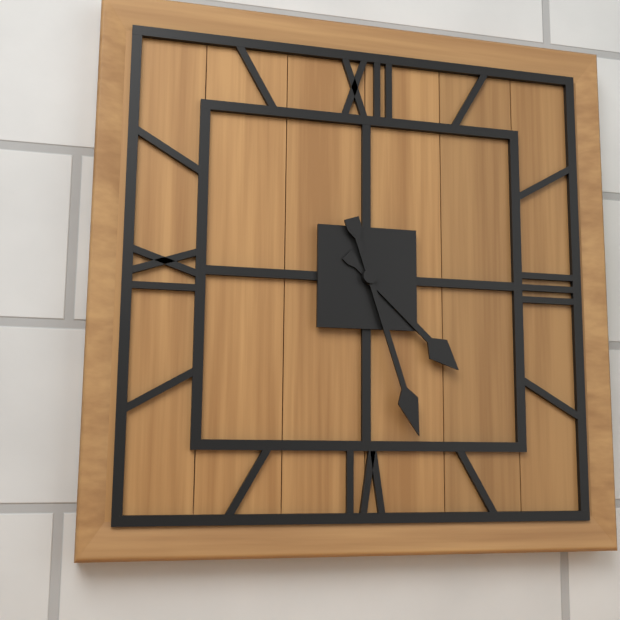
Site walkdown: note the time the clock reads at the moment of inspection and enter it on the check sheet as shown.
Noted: 4:27
